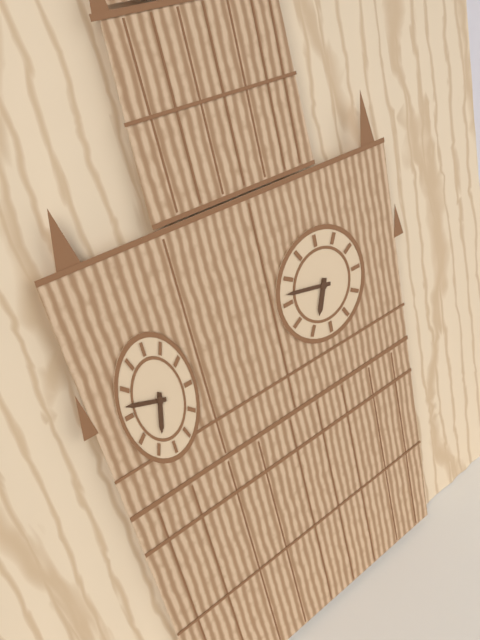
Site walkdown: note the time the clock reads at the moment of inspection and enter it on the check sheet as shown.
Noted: 6:47
